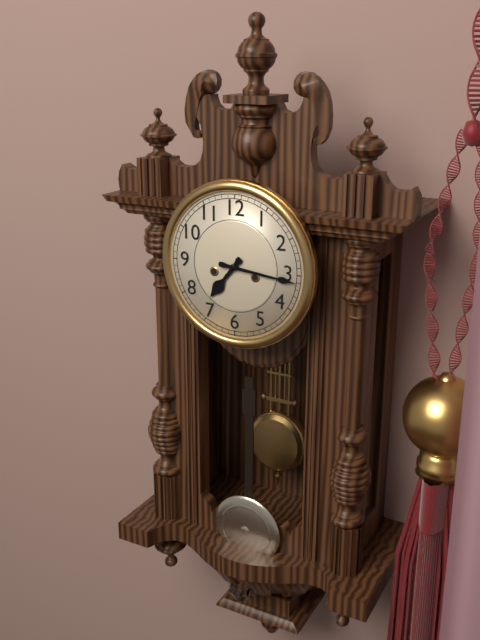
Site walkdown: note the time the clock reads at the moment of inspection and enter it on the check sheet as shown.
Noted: 7:16
